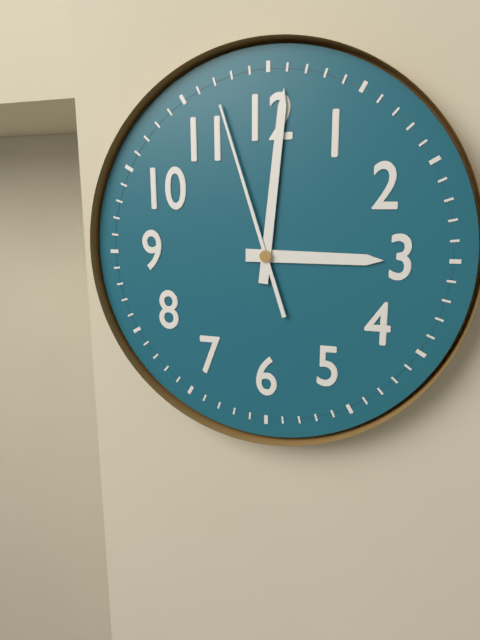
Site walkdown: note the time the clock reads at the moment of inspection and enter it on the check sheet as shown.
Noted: 3:01:57
